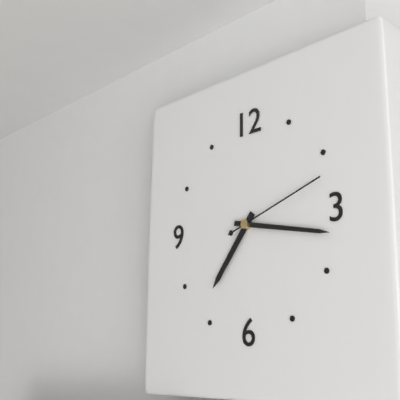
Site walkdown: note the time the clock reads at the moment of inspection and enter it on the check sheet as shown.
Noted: 7:17:12
